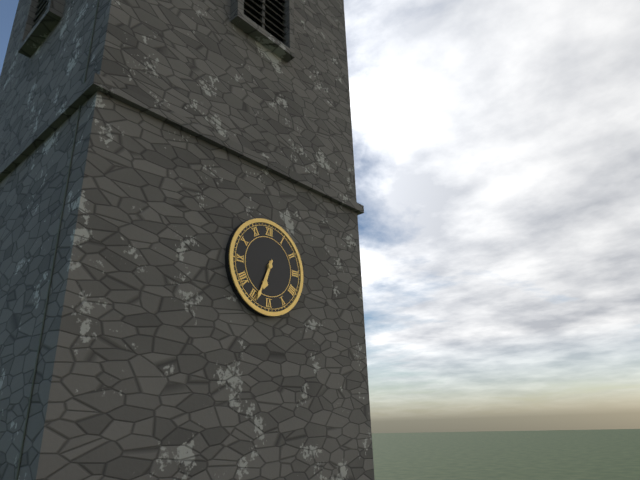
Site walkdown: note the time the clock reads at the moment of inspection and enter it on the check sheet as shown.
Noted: 6:34
